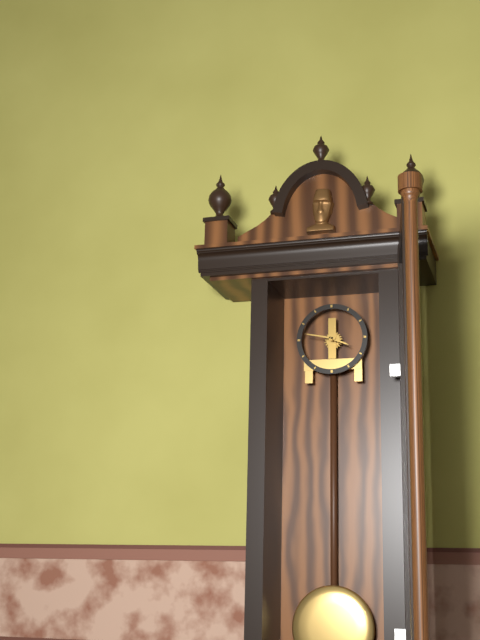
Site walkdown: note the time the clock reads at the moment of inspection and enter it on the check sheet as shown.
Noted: 3:47
